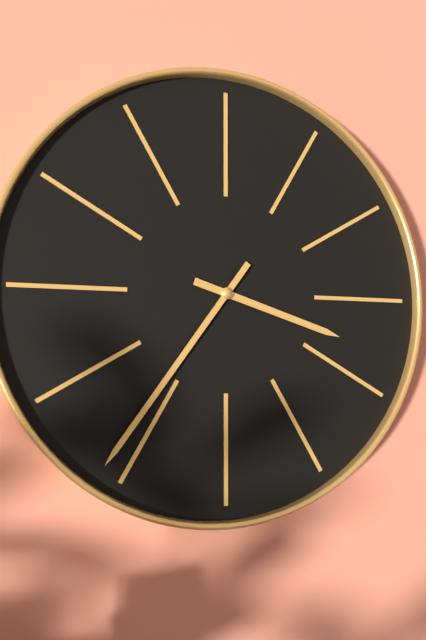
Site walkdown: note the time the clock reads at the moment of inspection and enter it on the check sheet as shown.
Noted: 3:36
